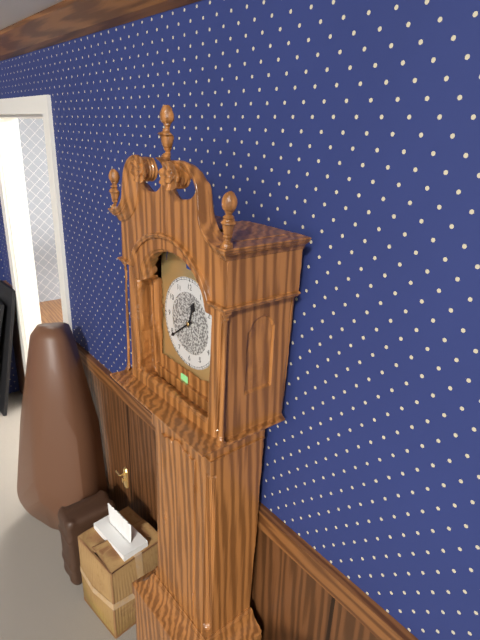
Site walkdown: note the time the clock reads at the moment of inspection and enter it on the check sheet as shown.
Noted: 12:39
